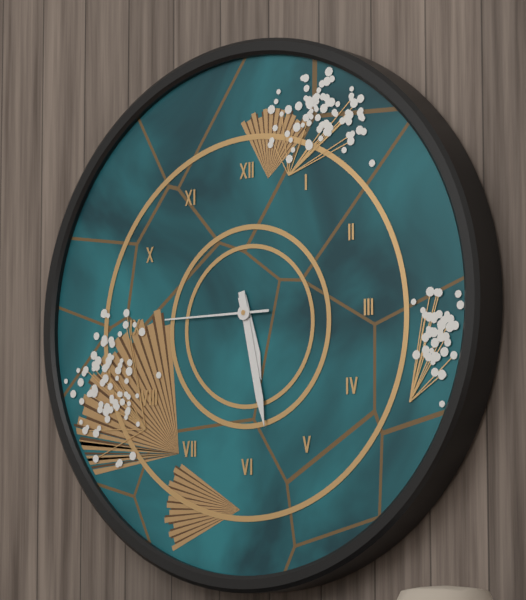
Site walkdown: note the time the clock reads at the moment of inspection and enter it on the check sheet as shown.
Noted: 5:28:45
